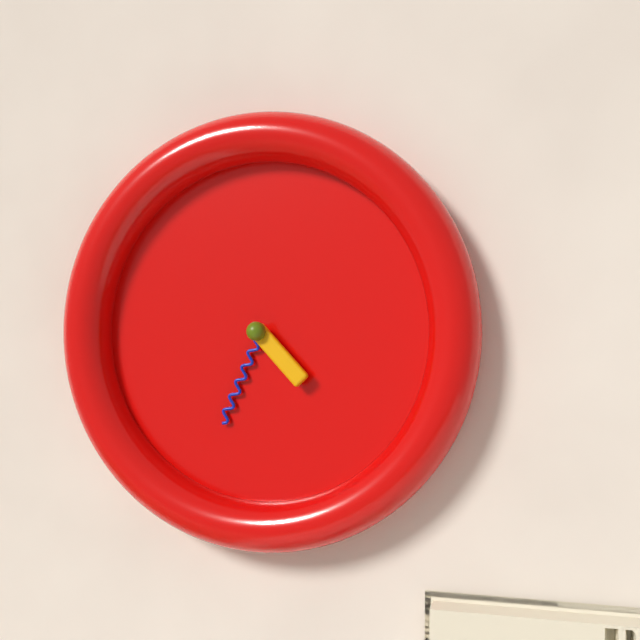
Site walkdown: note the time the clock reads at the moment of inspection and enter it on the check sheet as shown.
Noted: 4:34
